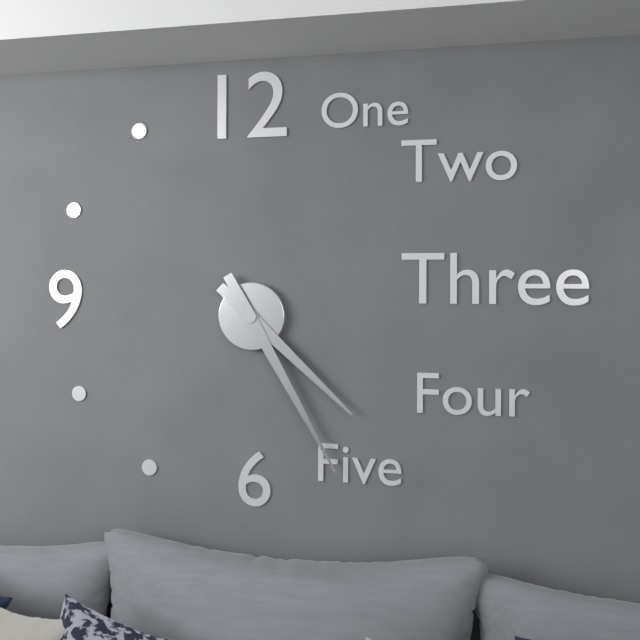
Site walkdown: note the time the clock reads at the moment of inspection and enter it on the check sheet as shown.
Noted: 4:25
